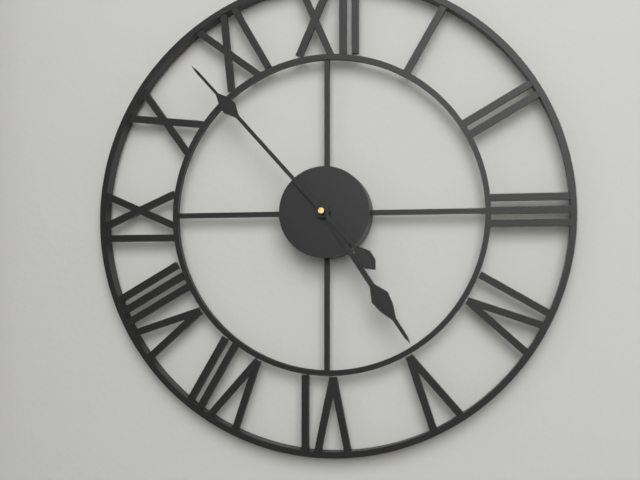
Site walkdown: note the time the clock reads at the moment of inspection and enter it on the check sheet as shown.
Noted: 4:53
